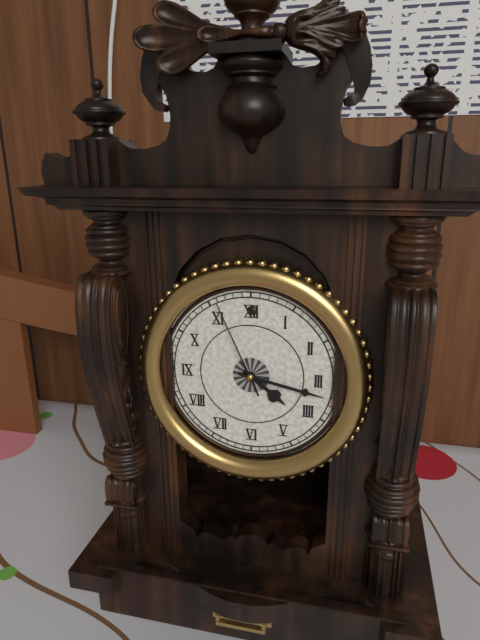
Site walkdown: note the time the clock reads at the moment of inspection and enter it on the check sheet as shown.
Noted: 4:17:56
